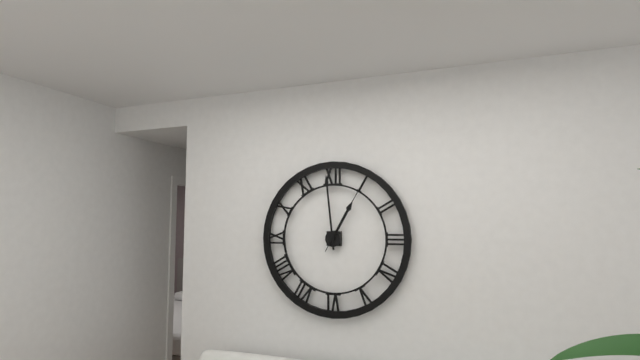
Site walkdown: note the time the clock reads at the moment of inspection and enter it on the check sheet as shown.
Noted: 12:59:05
